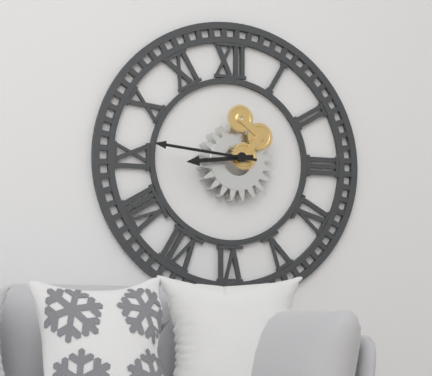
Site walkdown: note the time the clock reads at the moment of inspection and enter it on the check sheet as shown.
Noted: 8:46
